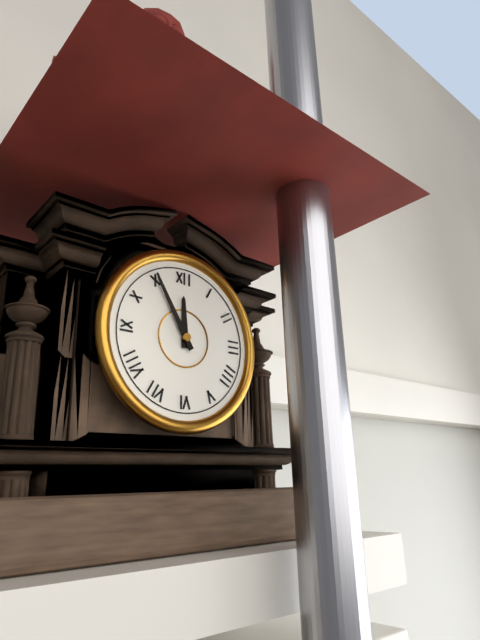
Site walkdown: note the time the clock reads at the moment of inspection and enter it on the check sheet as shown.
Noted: 11:55
